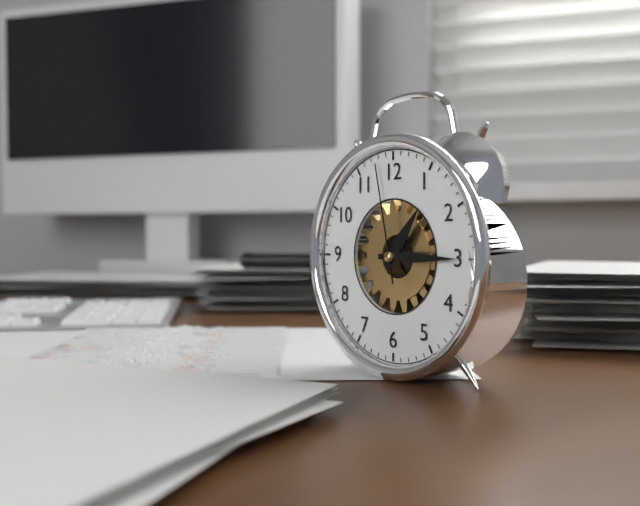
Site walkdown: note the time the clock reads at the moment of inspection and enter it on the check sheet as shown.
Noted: 1:15:58
